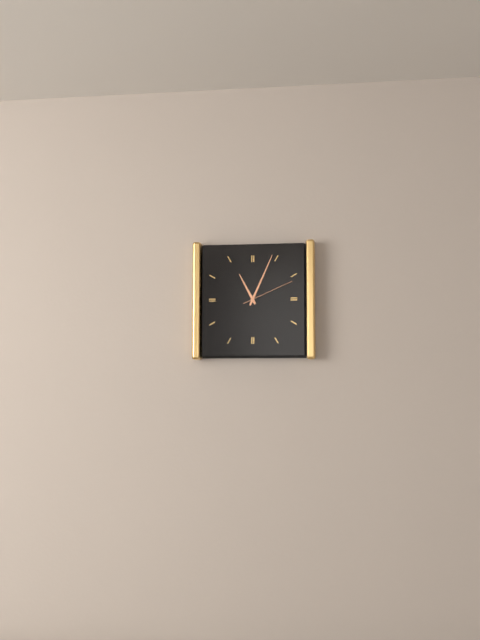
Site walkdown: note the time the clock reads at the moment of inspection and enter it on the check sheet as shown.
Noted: 11:04:11
